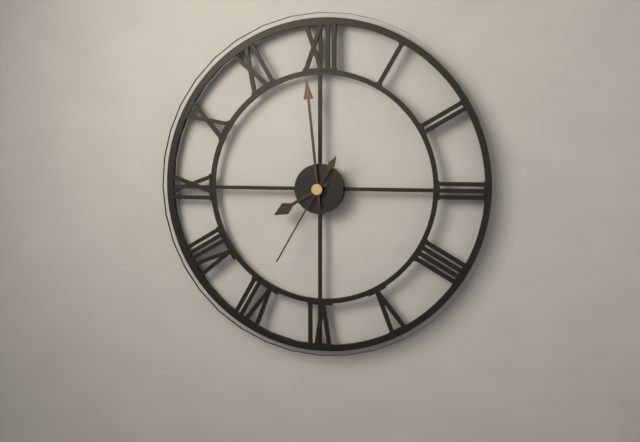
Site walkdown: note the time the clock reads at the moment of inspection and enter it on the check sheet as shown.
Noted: 7:59:35
